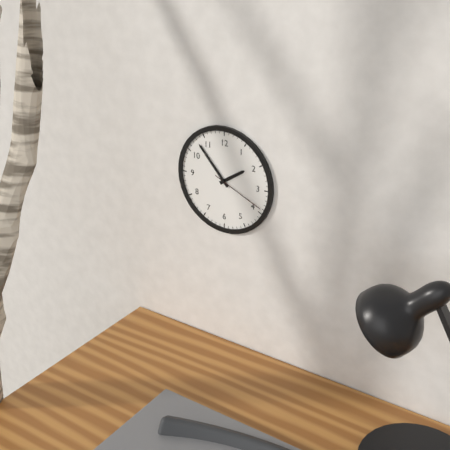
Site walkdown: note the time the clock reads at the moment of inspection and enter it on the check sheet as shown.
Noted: 1:53:19
